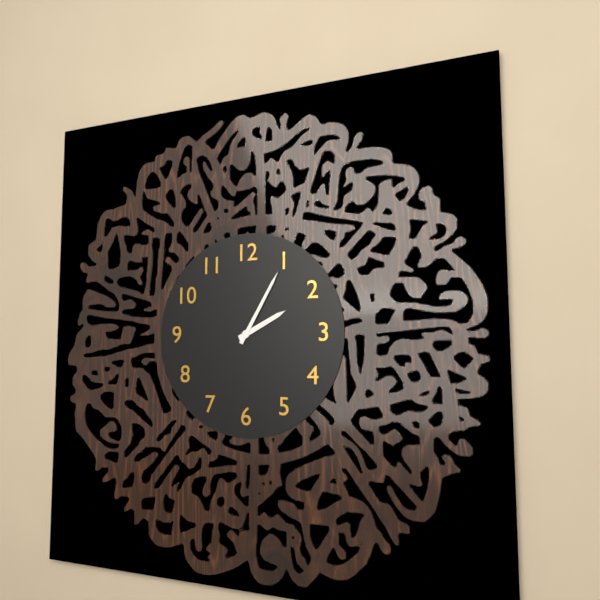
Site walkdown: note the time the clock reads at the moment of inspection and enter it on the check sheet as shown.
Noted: 2:05
